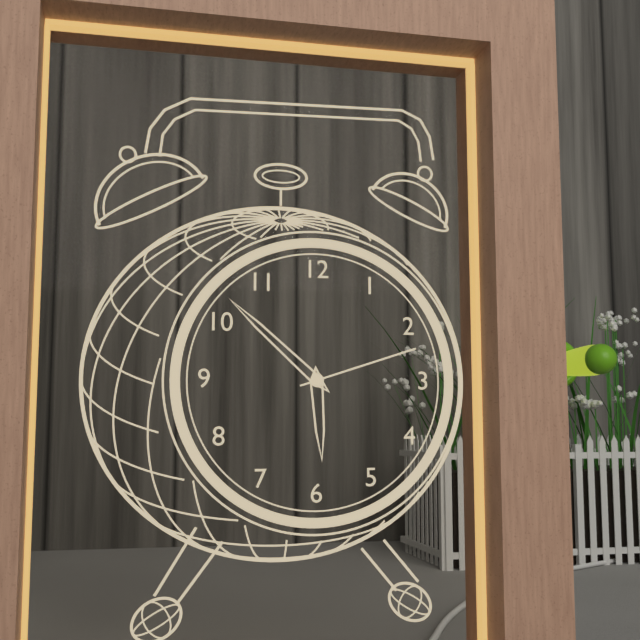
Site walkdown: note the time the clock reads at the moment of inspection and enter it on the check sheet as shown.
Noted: 5:52:12
